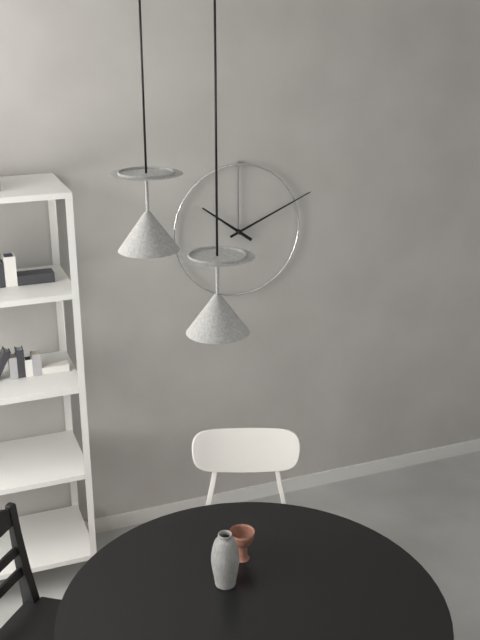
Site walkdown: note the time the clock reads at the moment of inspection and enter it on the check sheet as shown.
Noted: 10:11
